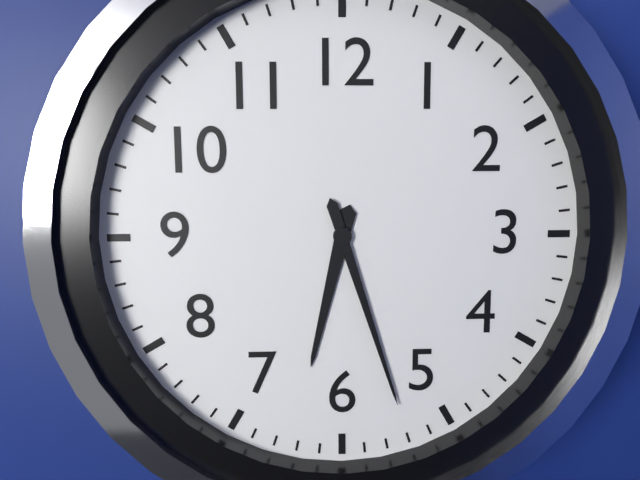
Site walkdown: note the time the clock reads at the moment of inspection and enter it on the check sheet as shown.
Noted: 6:27
